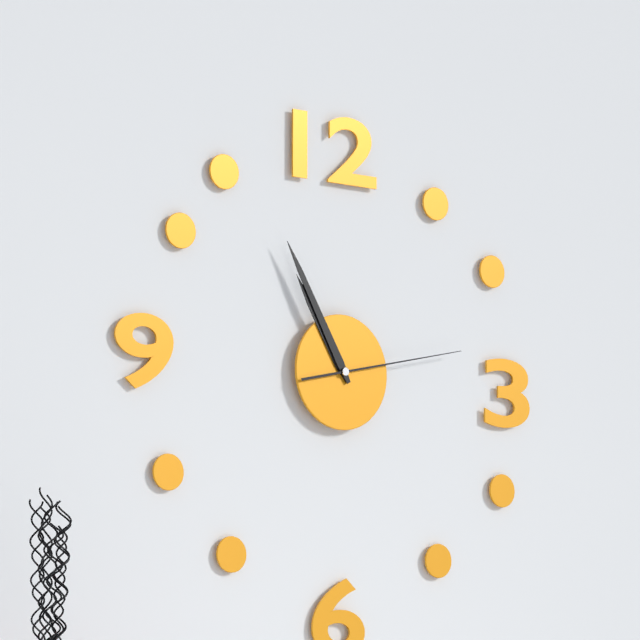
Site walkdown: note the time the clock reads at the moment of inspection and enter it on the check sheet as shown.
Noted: 10:55:13
